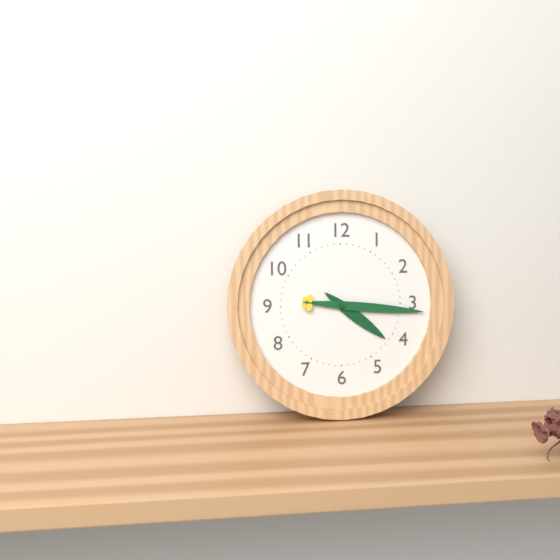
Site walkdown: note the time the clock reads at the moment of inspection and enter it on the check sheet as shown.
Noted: 4:16
